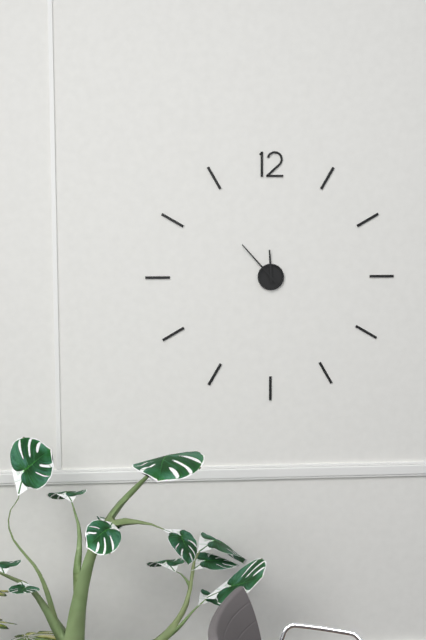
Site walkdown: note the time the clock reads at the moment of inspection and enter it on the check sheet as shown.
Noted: 11:53
